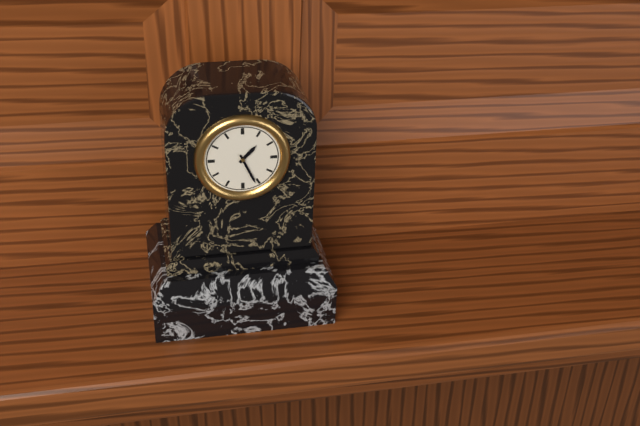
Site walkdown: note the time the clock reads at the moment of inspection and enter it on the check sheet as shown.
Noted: 1:26
